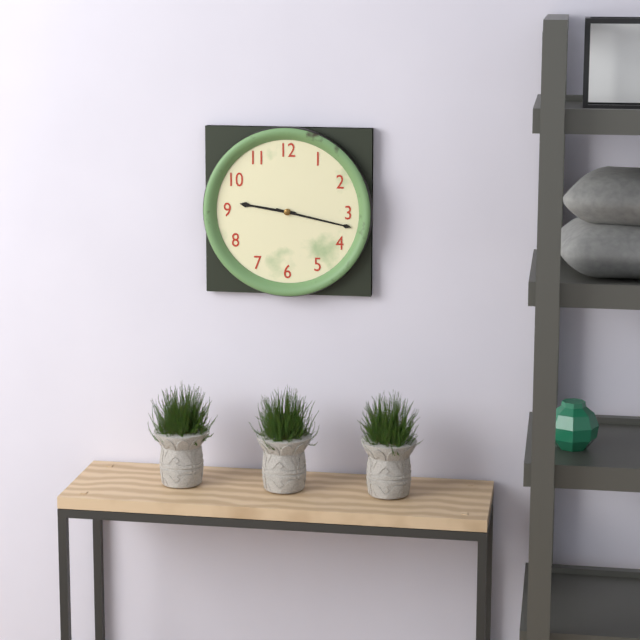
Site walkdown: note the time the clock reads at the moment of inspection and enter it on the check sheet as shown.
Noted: 9:17
